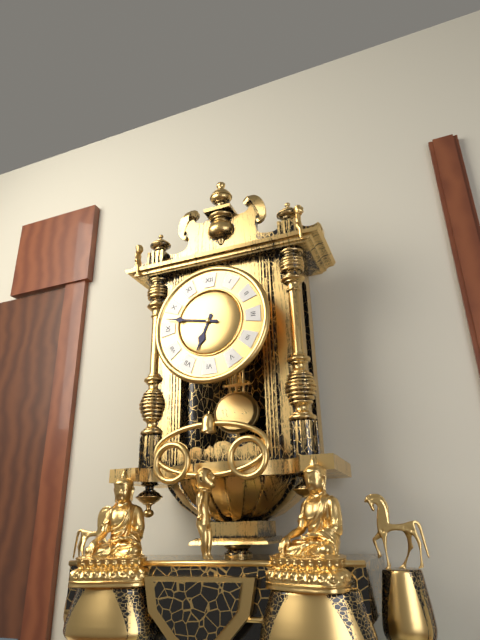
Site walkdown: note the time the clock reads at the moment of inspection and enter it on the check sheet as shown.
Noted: 6:47
